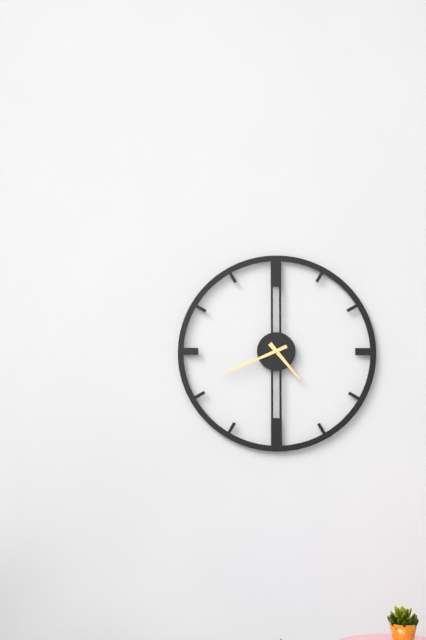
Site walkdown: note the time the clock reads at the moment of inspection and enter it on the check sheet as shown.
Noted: 4:41
